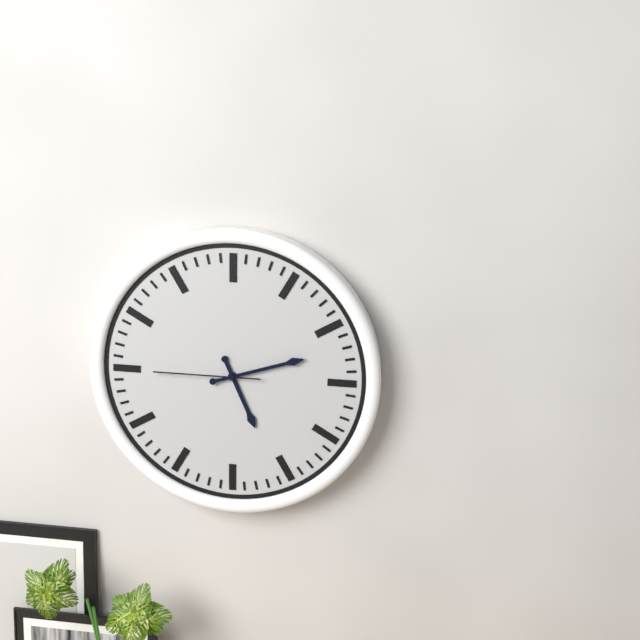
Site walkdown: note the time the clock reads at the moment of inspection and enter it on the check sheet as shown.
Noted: 5:12:45
